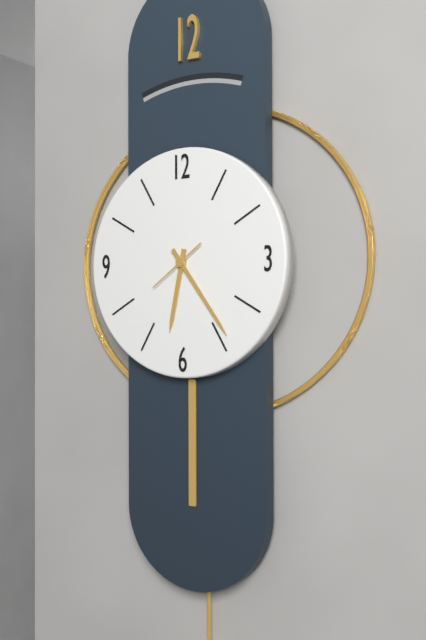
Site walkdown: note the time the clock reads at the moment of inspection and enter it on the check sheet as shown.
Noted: 6:24
